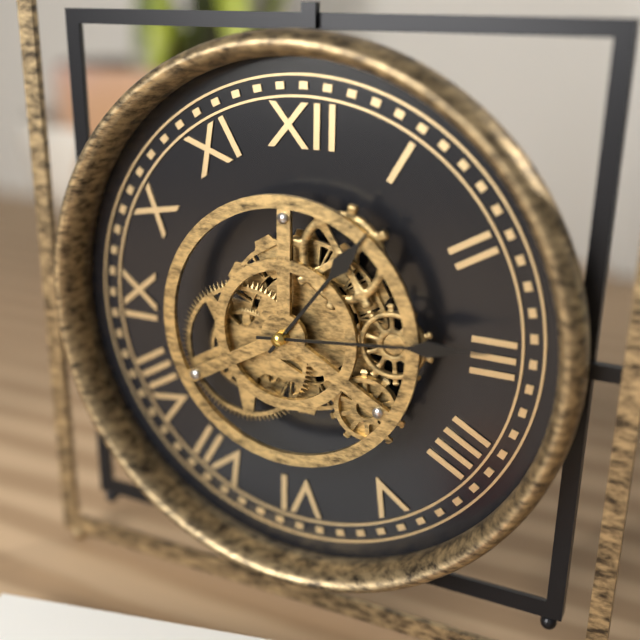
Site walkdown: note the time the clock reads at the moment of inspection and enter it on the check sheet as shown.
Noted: 1:14
